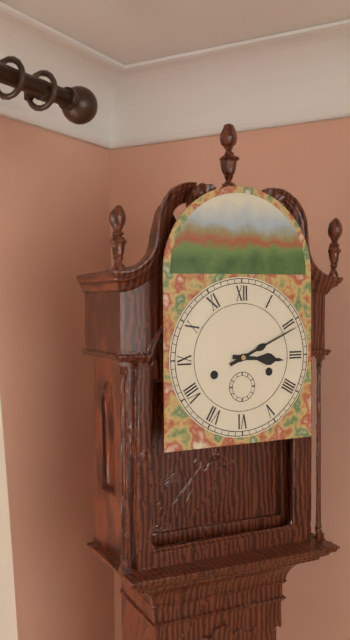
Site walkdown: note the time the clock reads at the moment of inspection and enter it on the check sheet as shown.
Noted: 3:11
